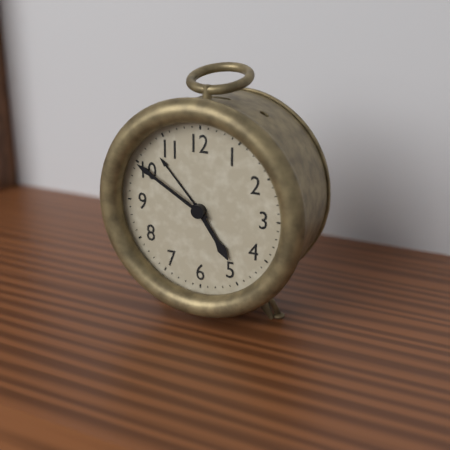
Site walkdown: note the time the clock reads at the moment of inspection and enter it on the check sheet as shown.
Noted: 4:50
